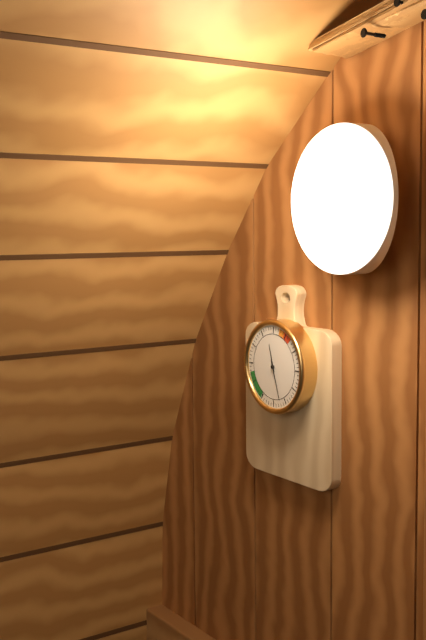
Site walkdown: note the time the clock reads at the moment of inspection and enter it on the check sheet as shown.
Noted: 11:27
